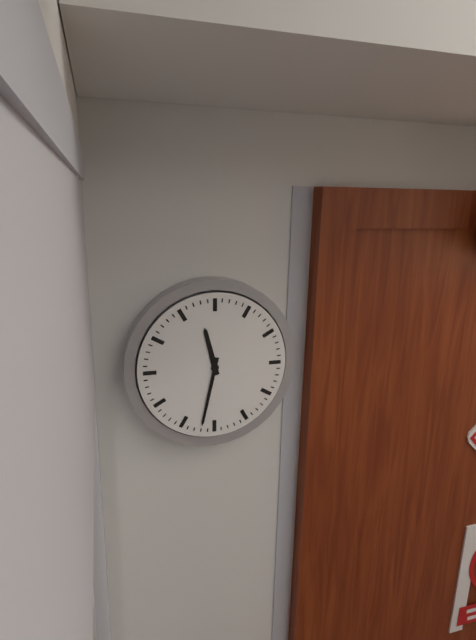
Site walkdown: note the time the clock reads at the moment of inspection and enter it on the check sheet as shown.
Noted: 11:32
